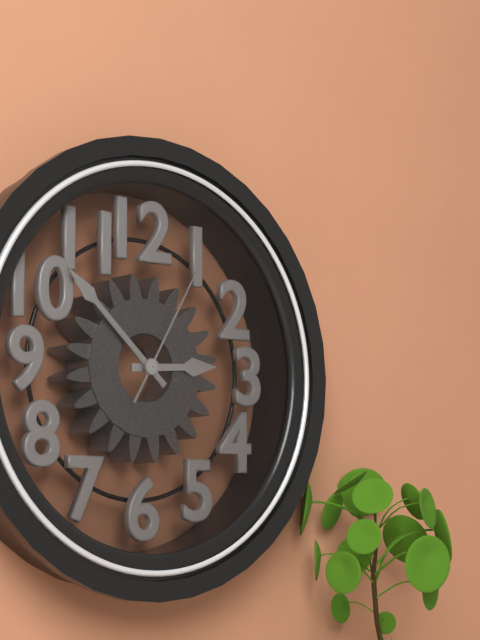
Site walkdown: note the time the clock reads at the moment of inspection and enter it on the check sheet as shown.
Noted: 2:52:05
